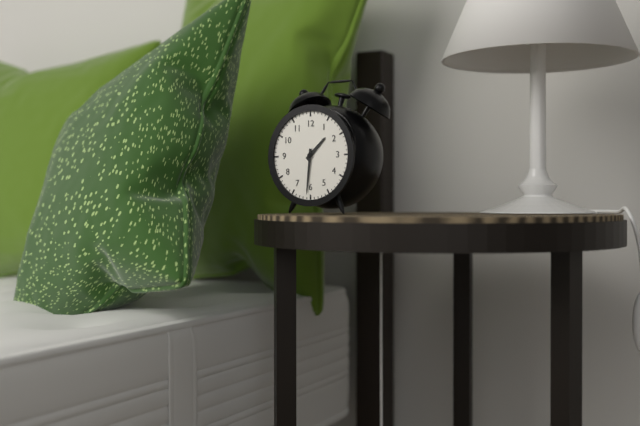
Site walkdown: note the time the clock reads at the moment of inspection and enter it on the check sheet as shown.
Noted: 1:31
